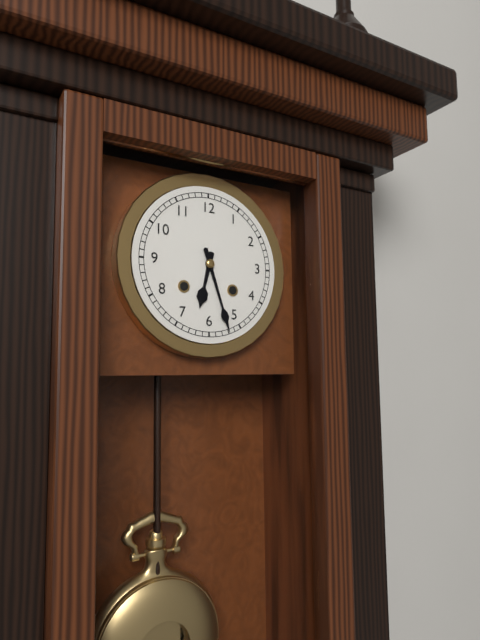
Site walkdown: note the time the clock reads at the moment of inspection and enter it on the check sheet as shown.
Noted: 6:27
